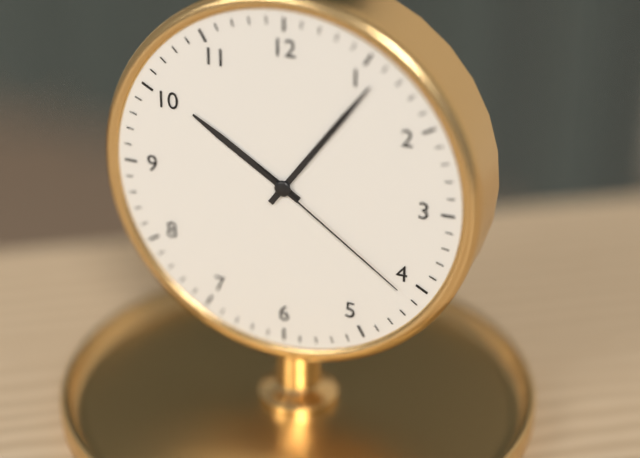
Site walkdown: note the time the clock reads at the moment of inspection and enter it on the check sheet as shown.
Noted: 10:06:21
